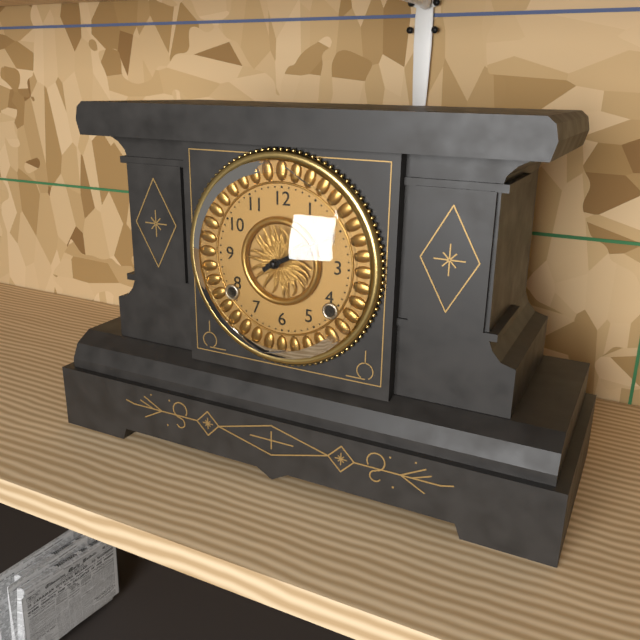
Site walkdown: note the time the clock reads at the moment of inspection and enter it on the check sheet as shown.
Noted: 2:10
